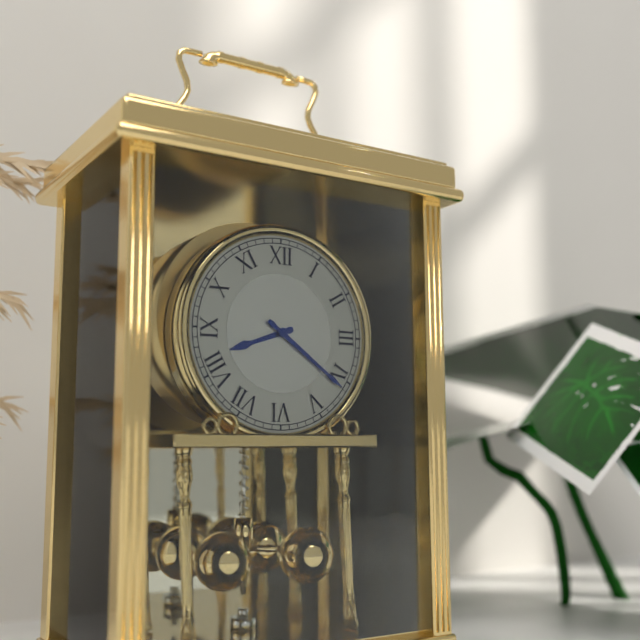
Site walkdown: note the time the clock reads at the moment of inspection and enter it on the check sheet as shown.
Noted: 8:21
